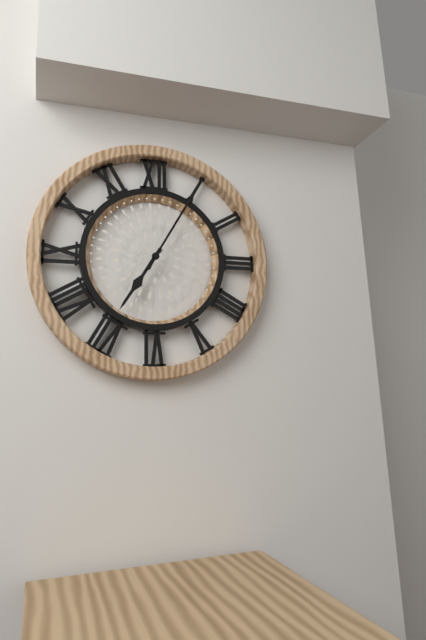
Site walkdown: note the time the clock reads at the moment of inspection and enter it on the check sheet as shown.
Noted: 7:05
